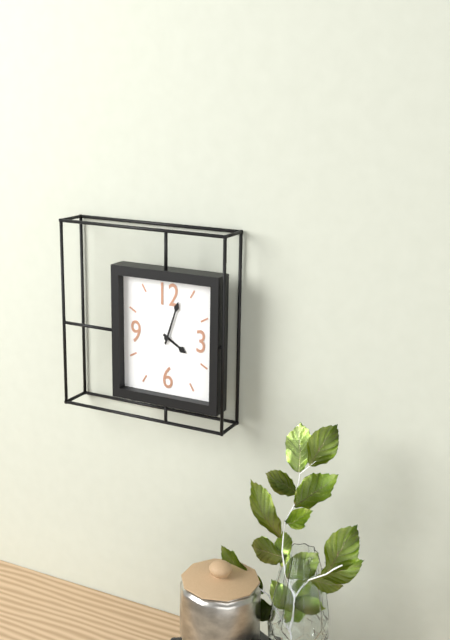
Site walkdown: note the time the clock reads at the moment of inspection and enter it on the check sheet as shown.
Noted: 4:03
